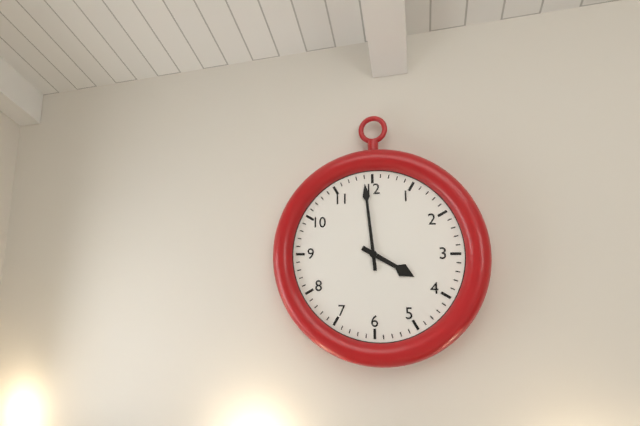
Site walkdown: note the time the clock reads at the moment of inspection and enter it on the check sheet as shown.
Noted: 3:59
